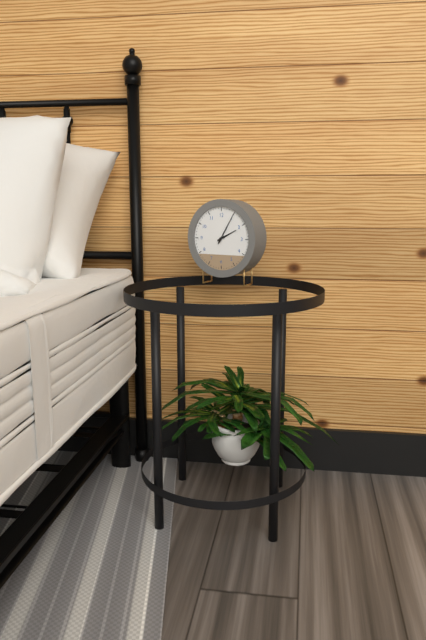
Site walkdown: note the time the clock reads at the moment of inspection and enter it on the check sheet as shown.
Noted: 2:05
